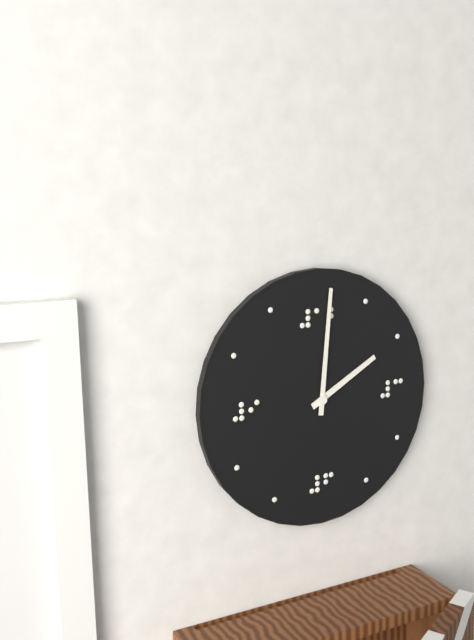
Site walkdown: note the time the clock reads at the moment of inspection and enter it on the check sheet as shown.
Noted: 2:01
